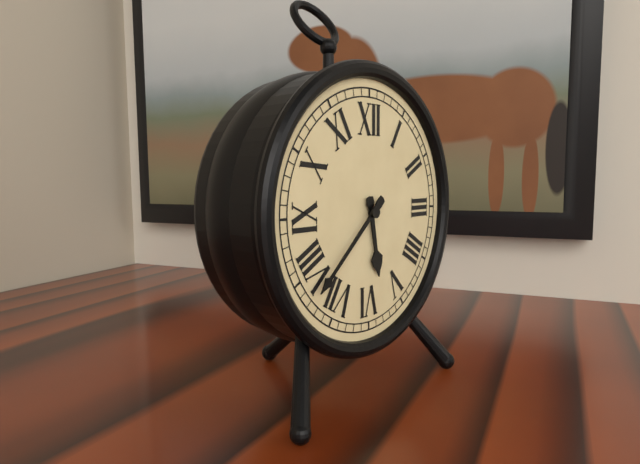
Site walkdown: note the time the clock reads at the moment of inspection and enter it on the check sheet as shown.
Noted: 5:38
